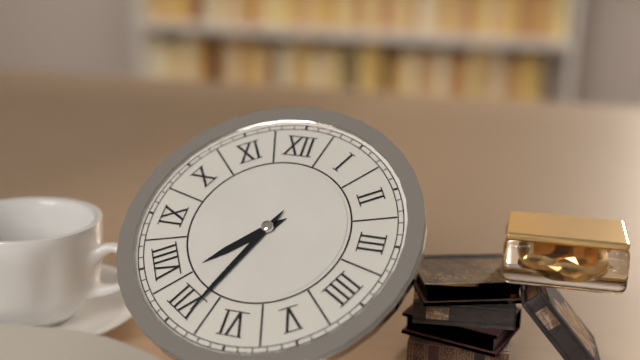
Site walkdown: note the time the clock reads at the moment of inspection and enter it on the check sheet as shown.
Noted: 7:34
